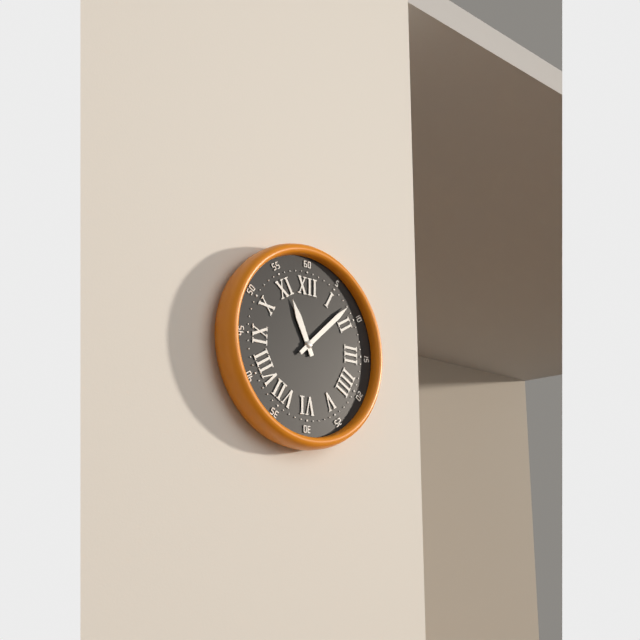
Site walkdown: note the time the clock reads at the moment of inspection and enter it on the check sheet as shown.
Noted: 11:08
